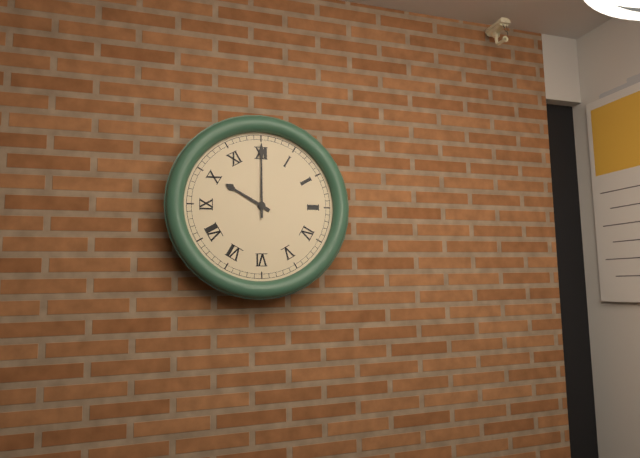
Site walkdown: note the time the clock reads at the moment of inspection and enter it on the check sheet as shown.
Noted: 10:00
